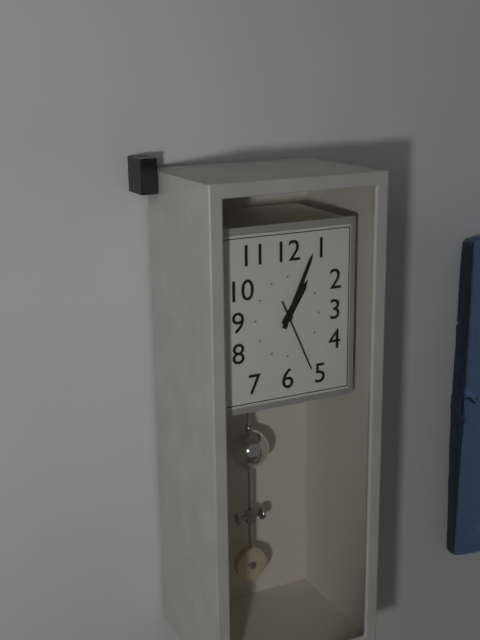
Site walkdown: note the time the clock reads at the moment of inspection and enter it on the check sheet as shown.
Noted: 1:04:26
